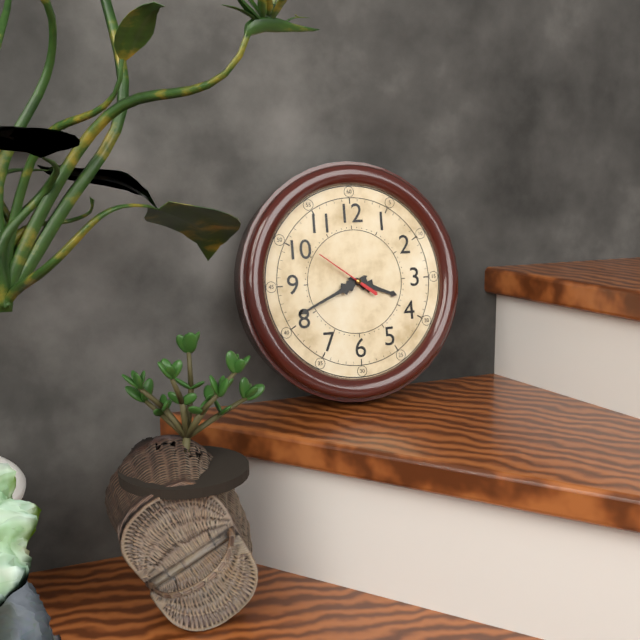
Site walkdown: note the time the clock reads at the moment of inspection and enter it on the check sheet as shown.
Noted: 3:41:51
